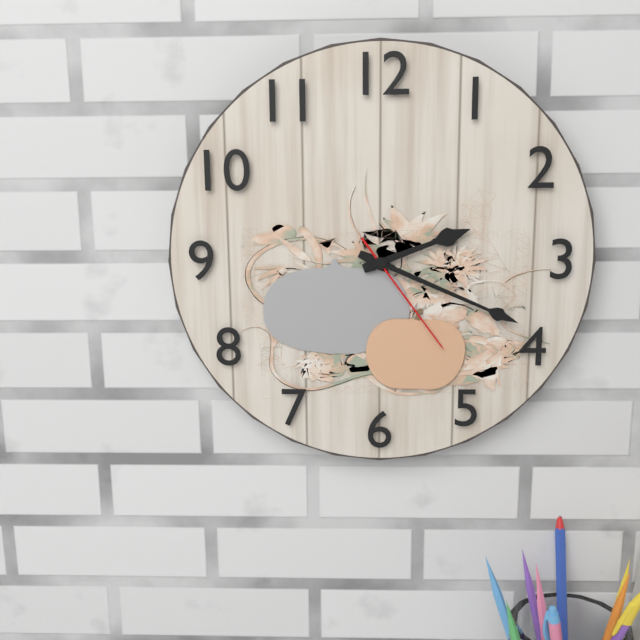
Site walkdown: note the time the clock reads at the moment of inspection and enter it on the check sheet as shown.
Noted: 2:19:24
